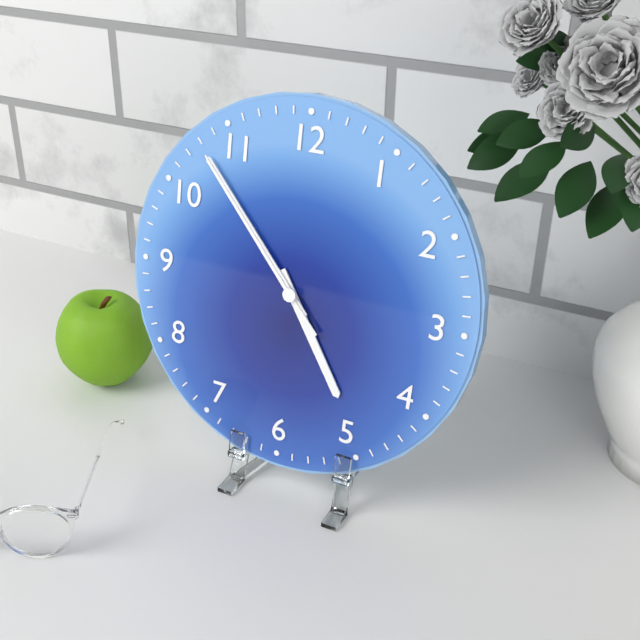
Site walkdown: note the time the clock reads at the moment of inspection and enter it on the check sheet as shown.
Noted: 4:53:53
